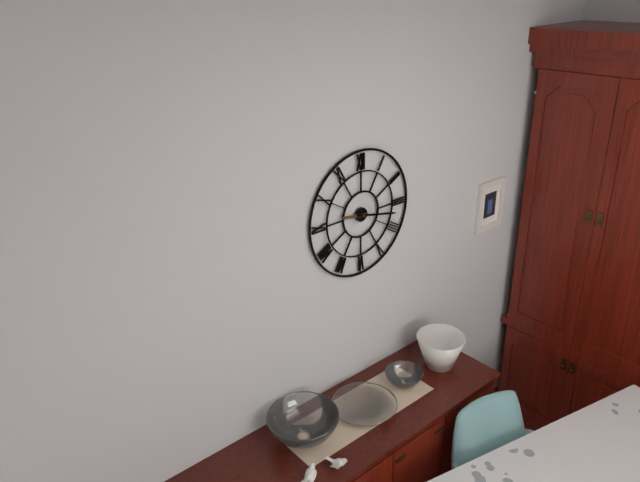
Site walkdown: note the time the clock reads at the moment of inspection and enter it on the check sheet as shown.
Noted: 9:17
